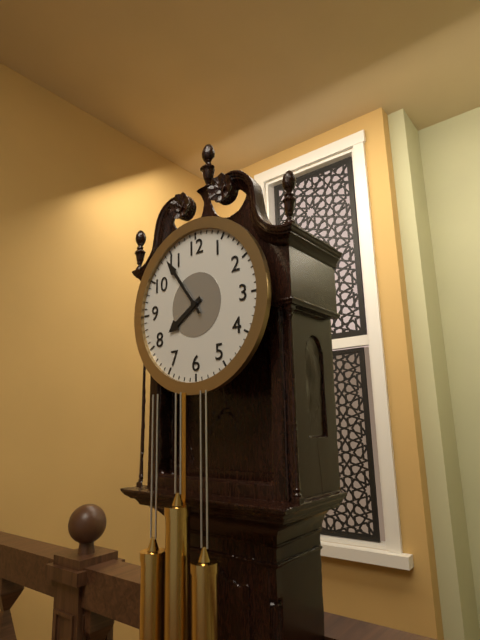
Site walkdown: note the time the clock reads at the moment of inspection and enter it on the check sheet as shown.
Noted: 7:54
